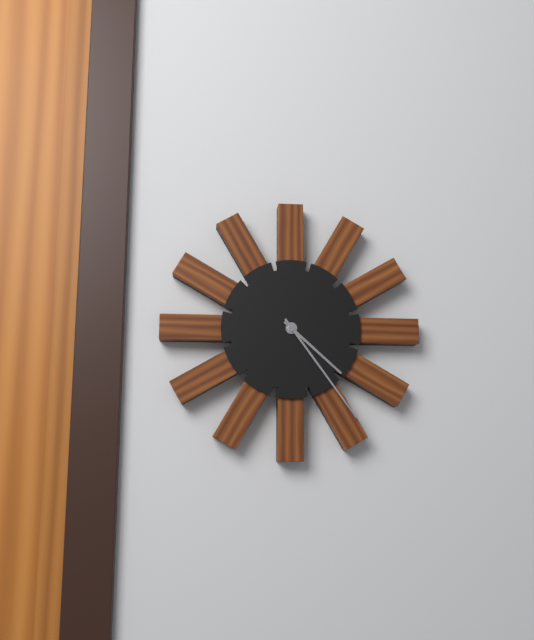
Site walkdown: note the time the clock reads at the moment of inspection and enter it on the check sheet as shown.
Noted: 4:24
